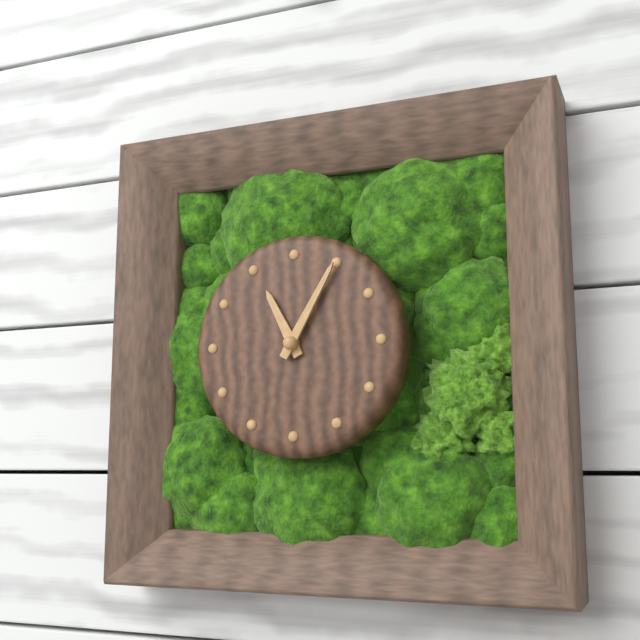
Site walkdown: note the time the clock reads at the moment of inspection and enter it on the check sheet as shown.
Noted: 11:05
